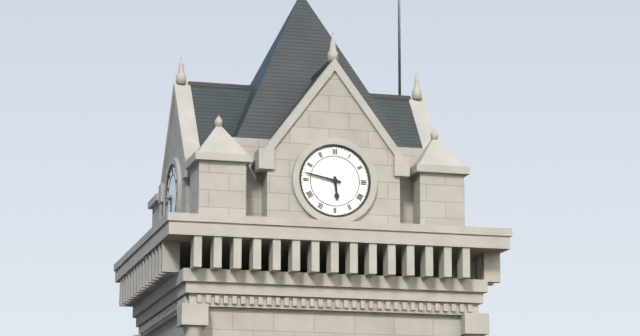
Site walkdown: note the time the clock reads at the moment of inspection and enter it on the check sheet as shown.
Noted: 5:47
